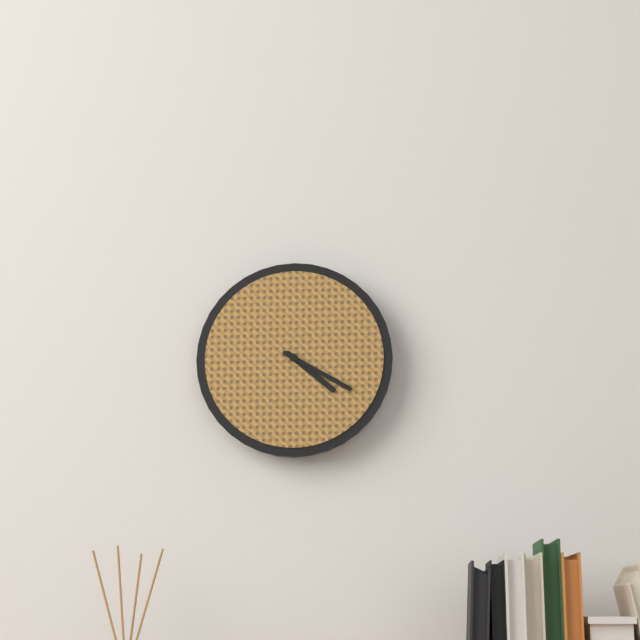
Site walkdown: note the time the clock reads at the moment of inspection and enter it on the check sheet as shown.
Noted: 4:20
